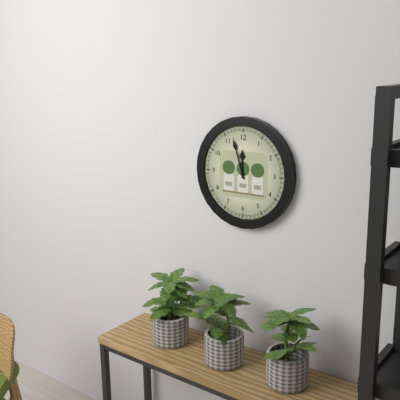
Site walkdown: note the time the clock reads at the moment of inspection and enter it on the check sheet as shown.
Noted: 11:57
